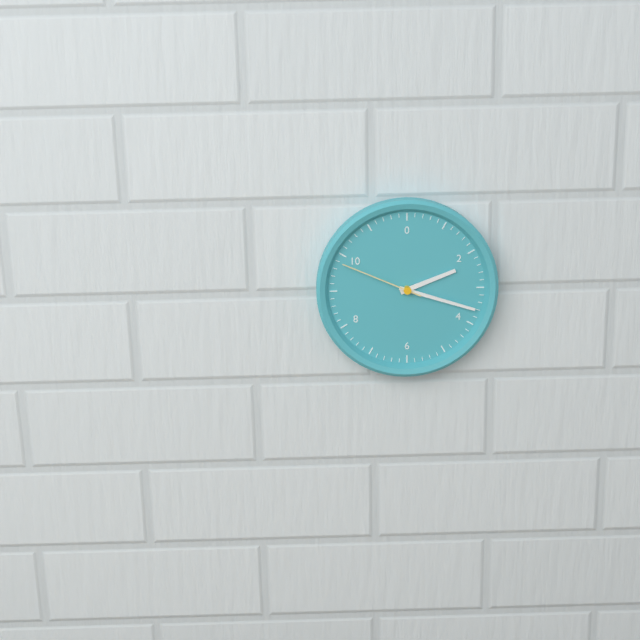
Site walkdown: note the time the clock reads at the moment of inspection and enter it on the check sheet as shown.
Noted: 2:18:49
